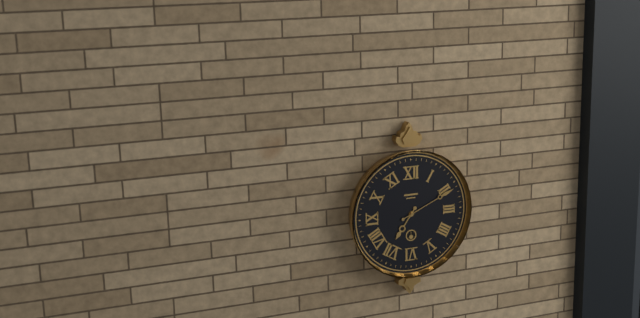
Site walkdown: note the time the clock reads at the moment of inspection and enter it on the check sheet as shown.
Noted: 7:11
